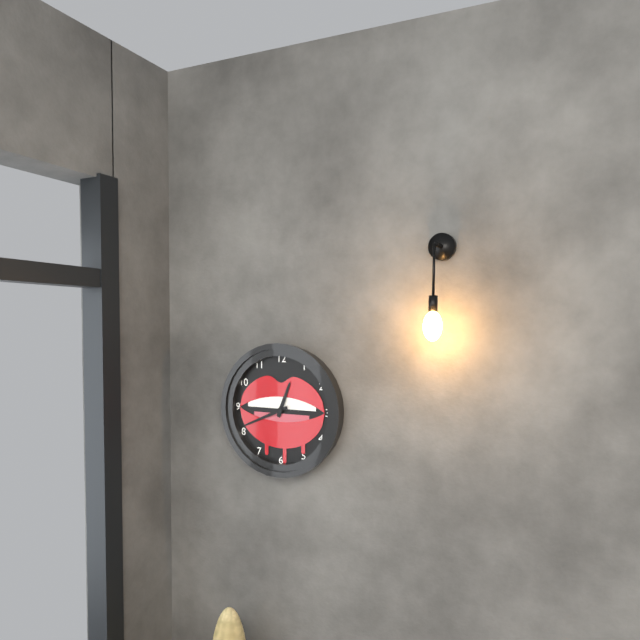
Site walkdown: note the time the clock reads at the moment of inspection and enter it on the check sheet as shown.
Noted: 12:41
